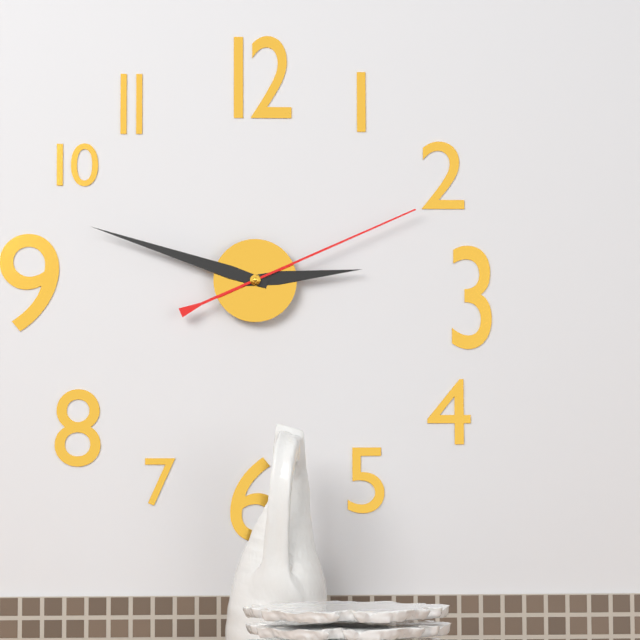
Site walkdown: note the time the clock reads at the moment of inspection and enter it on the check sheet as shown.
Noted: 2:48:11
